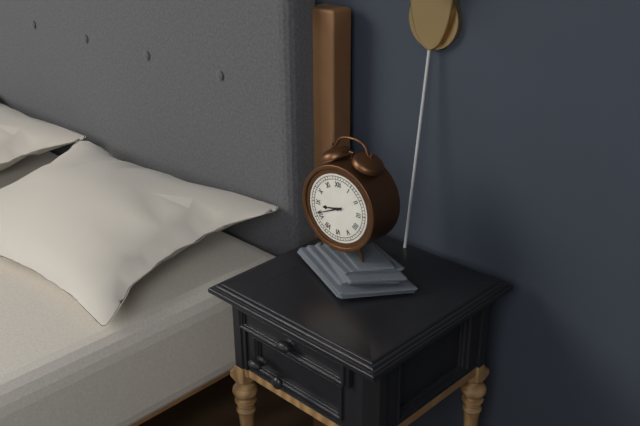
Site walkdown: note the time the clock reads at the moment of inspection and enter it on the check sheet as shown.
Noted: 8:41
